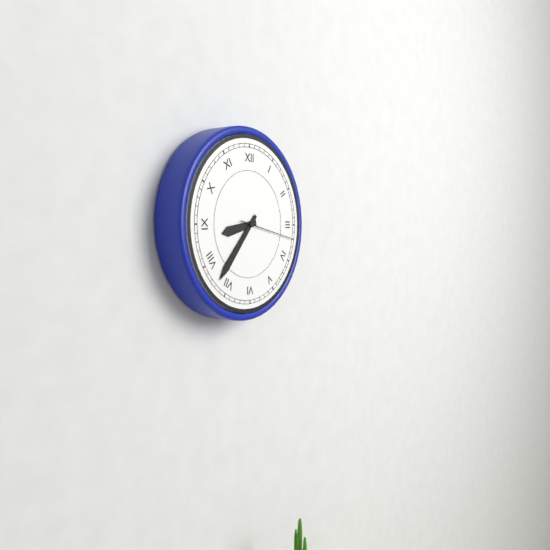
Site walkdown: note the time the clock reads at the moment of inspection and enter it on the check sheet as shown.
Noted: 8:37:17
